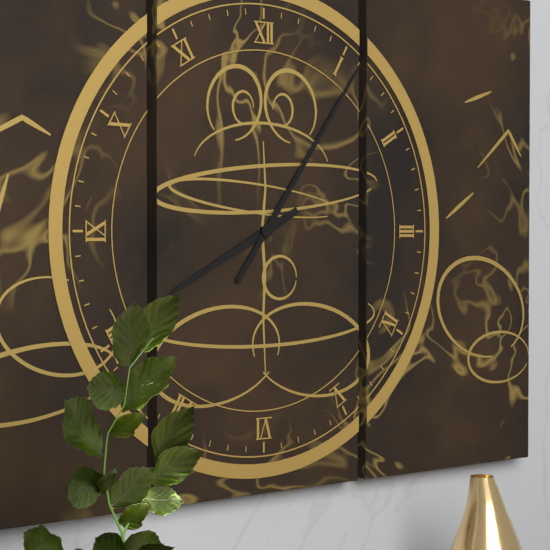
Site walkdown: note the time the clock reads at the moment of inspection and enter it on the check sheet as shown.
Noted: 8:06
